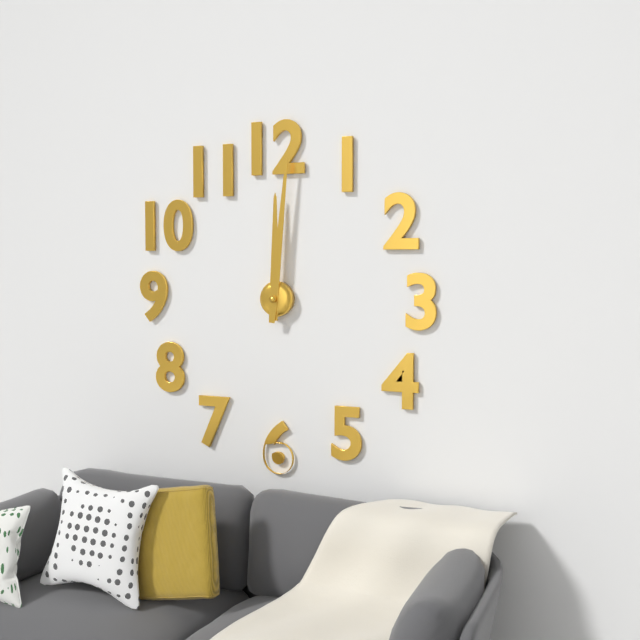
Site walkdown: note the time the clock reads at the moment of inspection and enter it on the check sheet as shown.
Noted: 12:01
